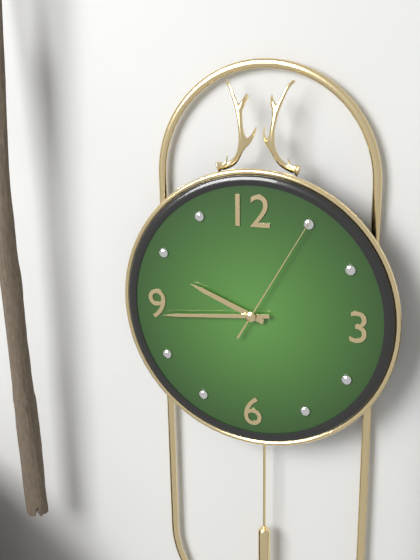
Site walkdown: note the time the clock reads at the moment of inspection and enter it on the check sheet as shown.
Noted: 9:44:05
